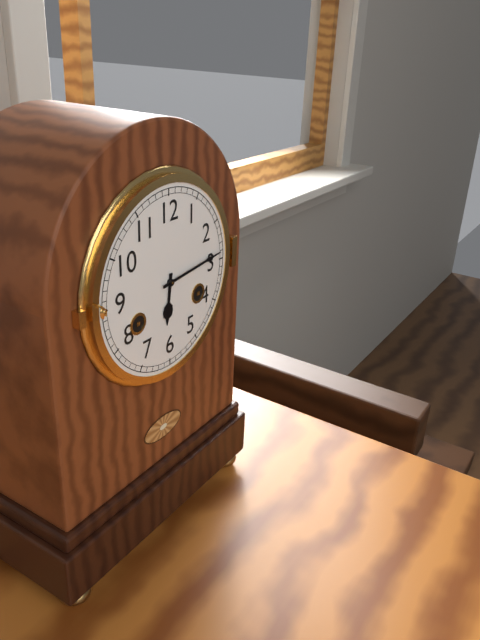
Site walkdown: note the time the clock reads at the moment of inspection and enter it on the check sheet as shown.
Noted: 6:14
